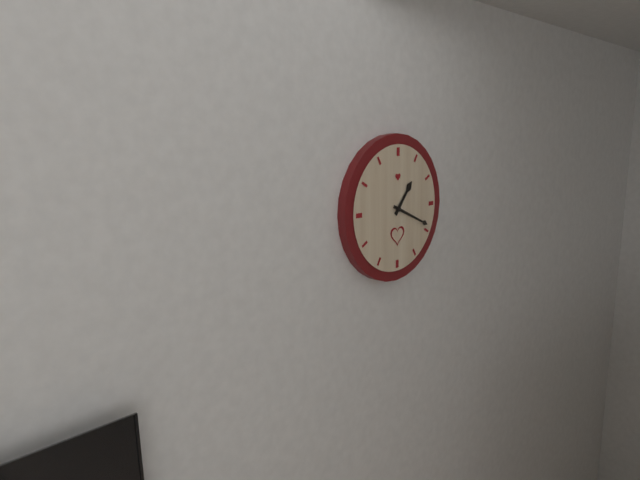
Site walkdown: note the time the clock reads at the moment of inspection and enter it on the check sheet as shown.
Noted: 1:19
